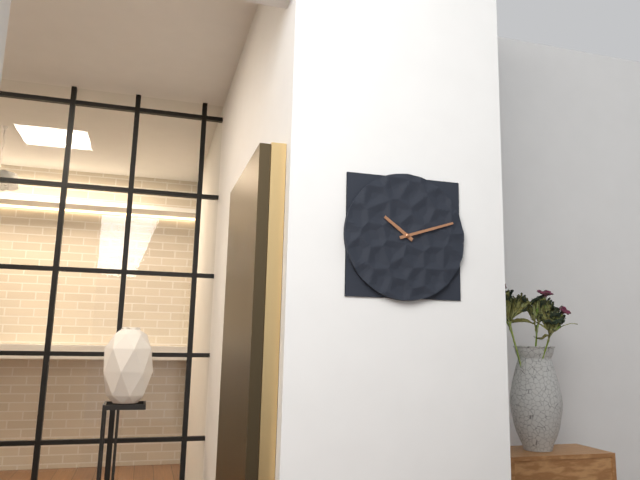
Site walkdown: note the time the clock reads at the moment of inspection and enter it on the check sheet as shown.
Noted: 10:12
